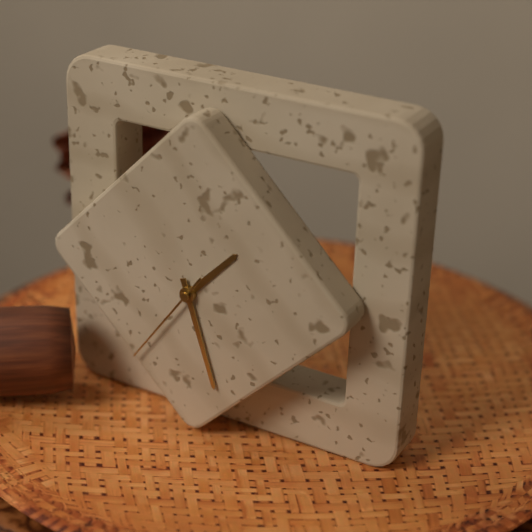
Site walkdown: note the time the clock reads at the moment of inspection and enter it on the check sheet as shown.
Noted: 1:27:36
